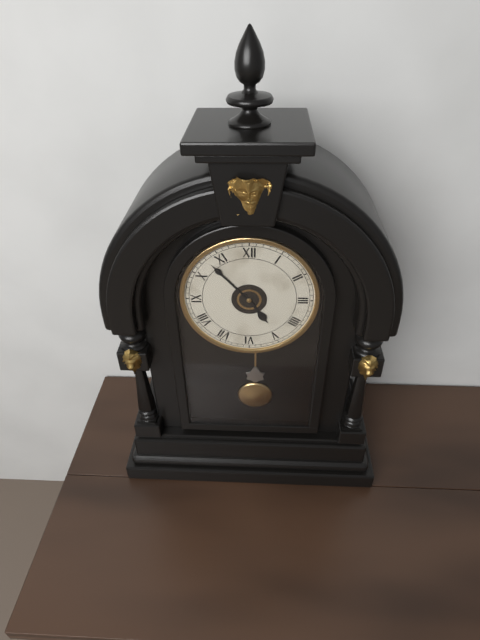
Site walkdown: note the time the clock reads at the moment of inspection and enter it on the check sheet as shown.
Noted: 4:53
